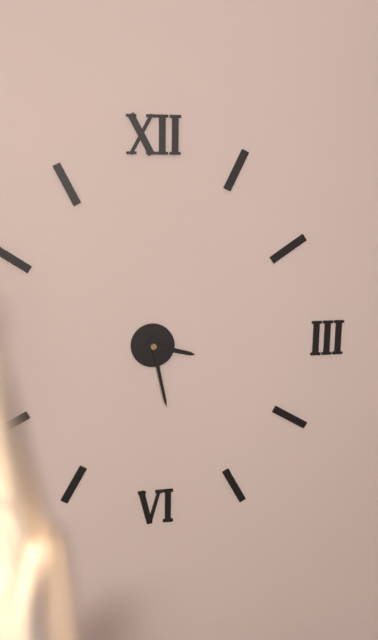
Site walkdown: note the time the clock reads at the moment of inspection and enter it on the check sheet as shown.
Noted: 3:28
